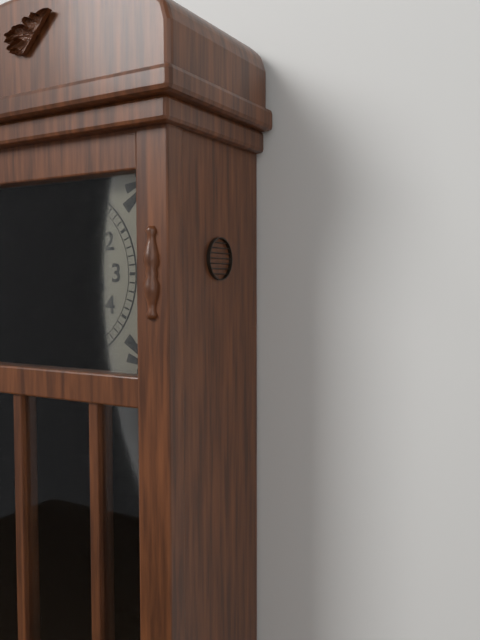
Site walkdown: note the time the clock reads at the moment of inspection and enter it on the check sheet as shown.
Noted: 3:36
